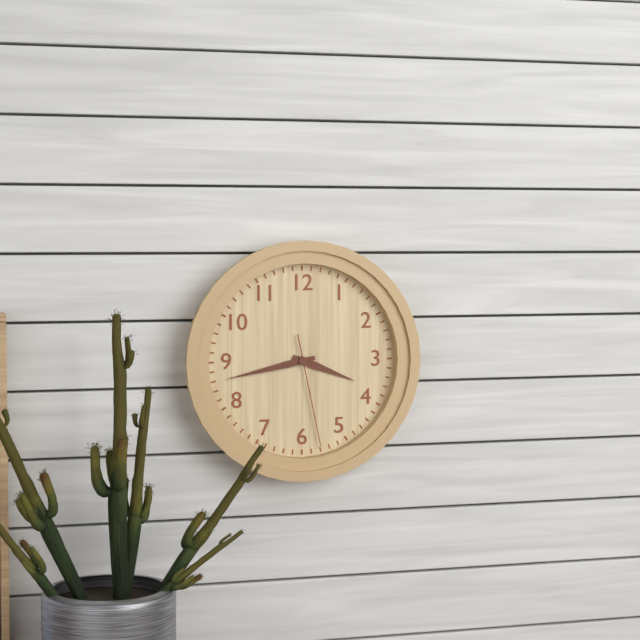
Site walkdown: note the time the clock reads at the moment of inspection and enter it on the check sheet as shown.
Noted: 3:43:28
